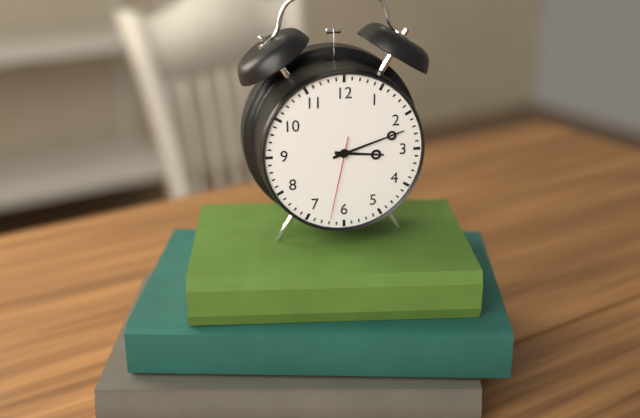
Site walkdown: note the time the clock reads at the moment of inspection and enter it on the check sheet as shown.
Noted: 3:12:32
